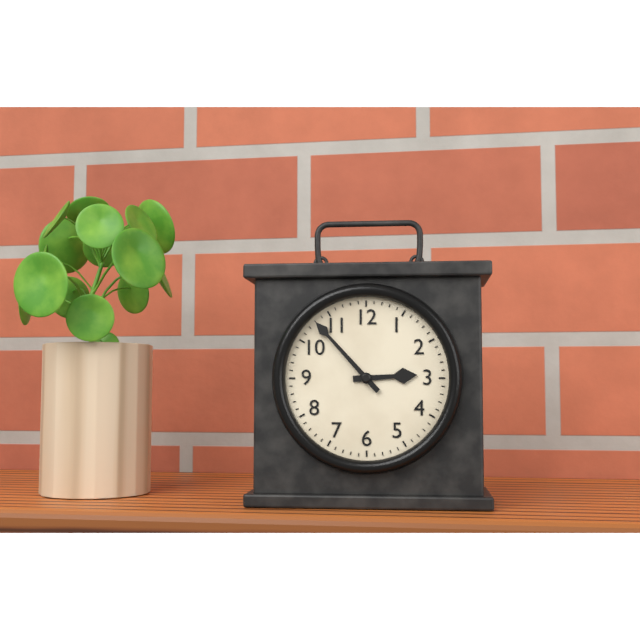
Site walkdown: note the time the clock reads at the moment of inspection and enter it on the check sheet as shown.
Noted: 2:53
